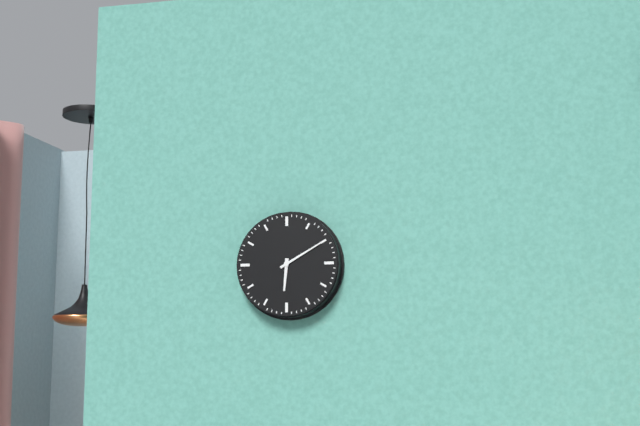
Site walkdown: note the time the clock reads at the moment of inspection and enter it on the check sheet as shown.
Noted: 6:10
